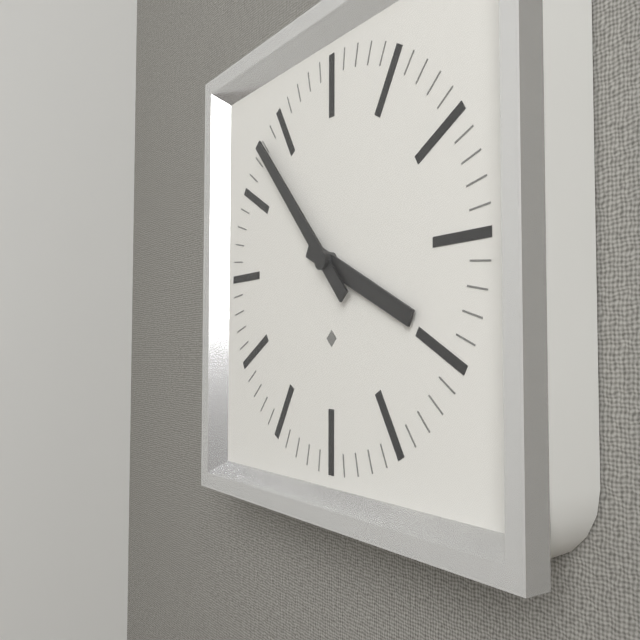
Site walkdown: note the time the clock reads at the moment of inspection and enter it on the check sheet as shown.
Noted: 3:53
